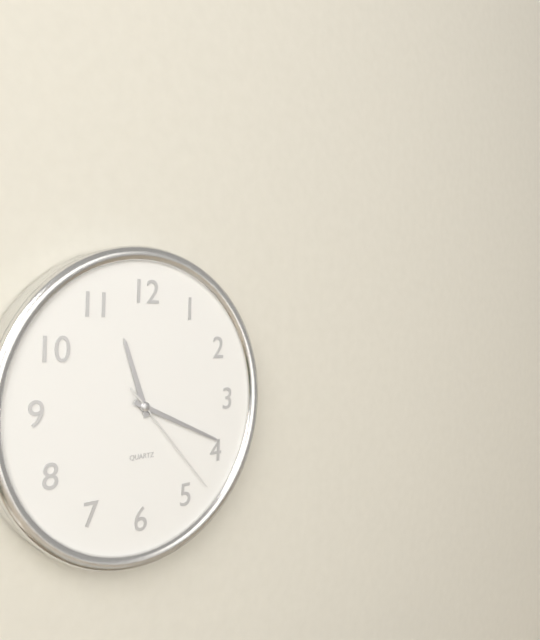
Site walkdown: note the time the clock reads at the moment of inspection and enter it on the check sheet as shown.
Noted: 11:19:23
